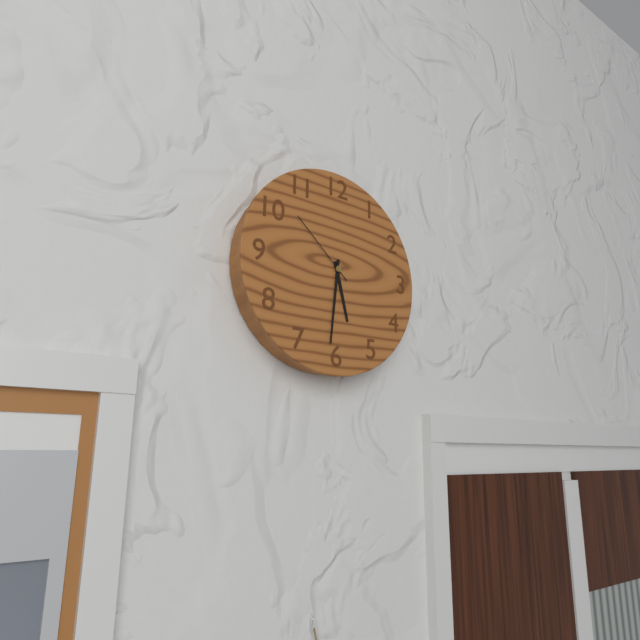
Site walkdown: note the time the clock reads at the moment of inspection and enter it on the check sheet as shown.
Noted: 5:31:52
